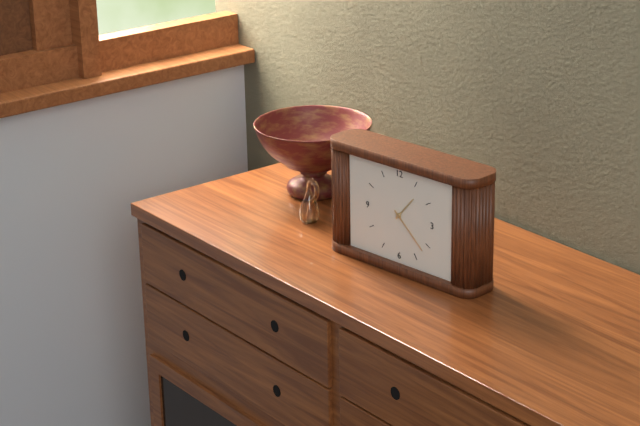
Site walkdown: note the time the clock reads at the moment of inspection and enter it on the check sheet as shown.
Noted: 1:22
